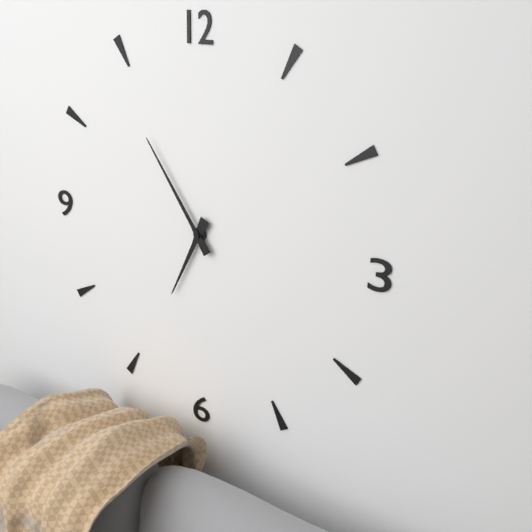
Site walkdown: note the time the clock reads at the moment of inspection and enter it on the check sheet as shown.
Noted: 6:54
